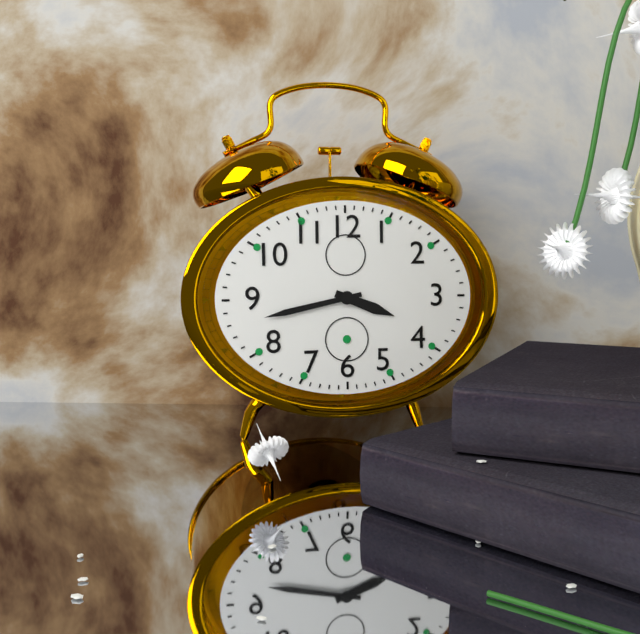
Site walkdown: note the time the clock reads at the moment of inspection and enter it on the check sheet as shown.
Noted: 3:43
